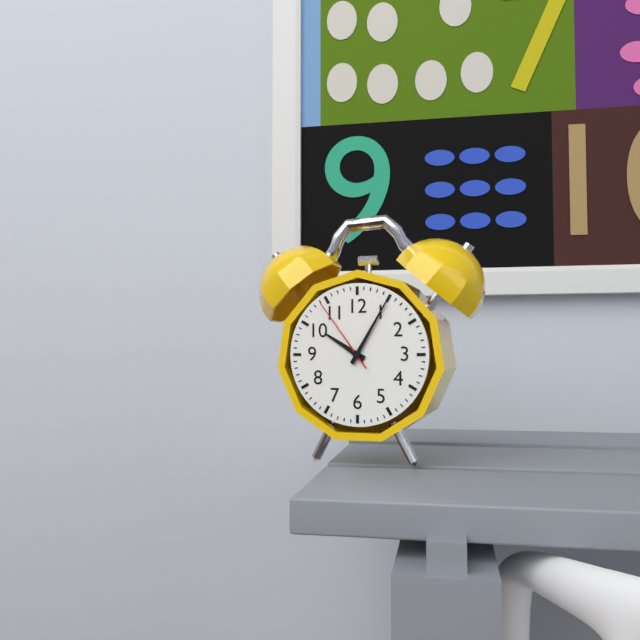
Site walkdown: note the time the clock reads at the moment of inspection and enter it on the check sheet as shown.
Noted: 10:05:54
